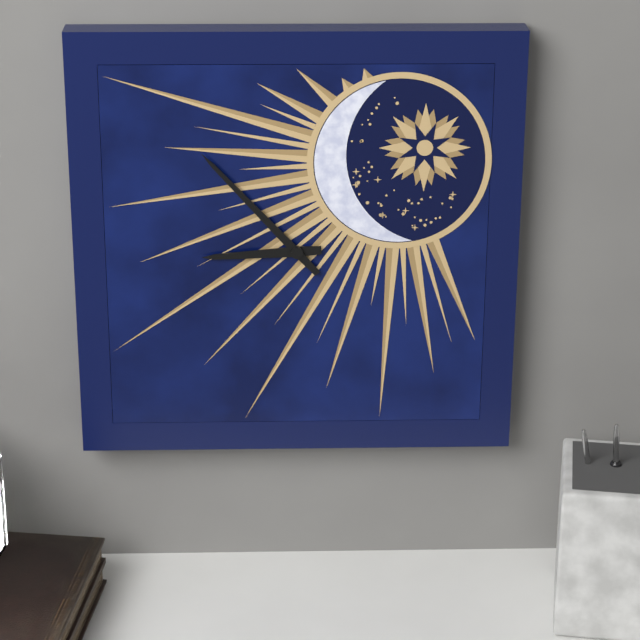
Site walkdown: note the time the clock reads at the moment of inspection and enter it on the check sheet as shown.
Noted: 8:53
